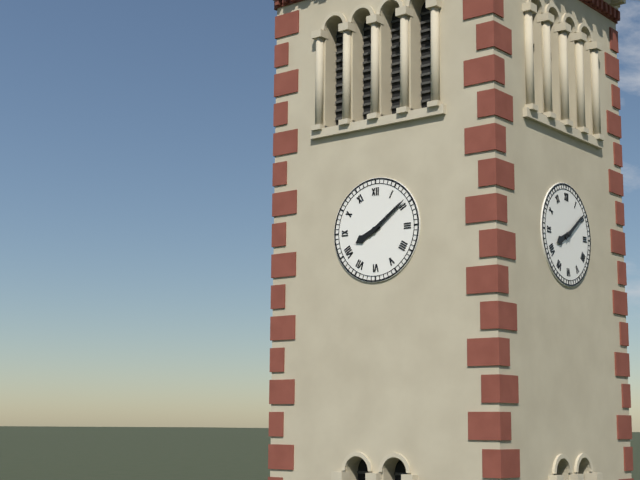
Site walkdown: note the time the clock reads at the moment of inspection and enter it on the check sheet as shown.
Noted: 8:09
